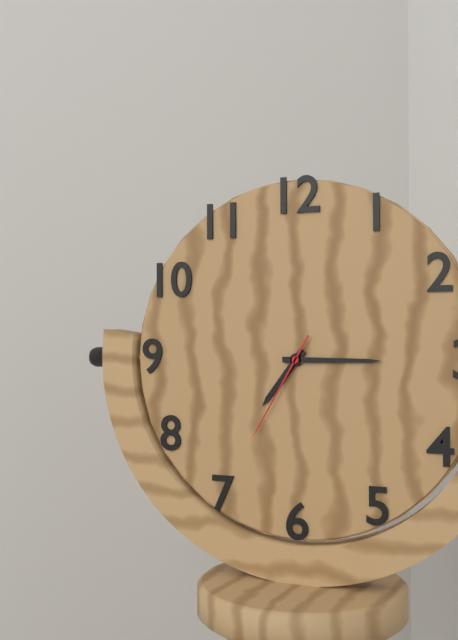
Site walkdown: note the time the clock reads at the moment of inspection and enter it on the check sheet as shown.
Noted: 7:15:35
